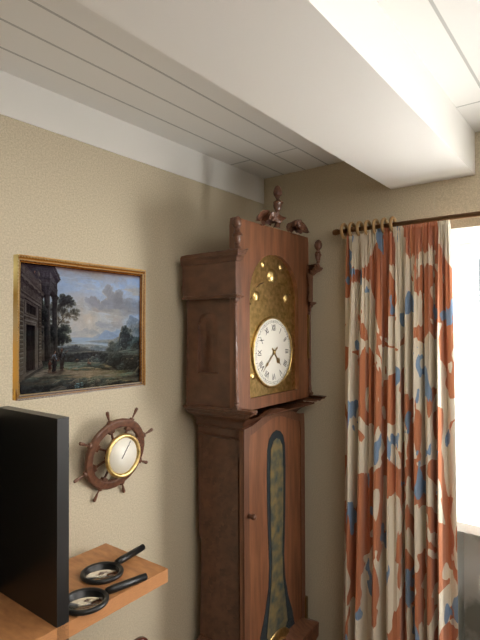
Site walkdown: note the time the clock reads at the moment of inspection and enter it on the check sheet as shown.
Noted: 4:38
